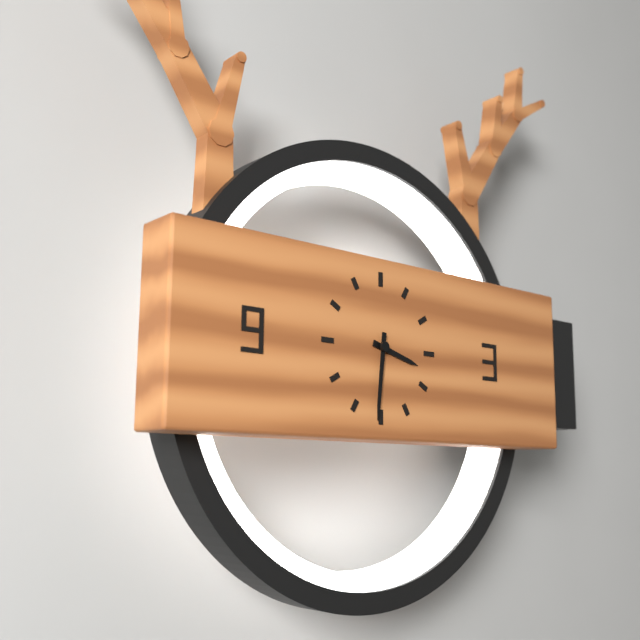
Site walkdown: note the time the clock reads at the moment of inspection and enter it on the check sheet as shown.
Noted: 3:31
